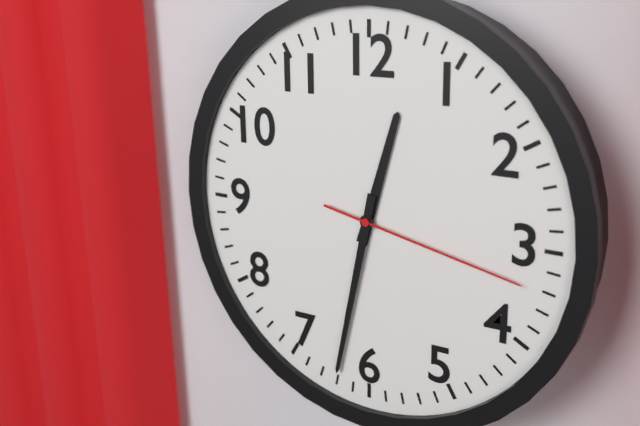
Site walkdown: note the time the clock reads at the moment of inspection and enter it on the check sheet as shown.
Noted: 12:32:17
